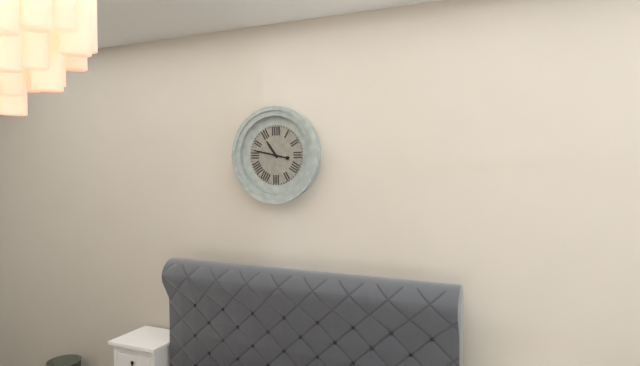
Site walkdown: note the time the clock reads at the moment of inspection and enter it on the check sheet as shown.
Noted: 10:47
